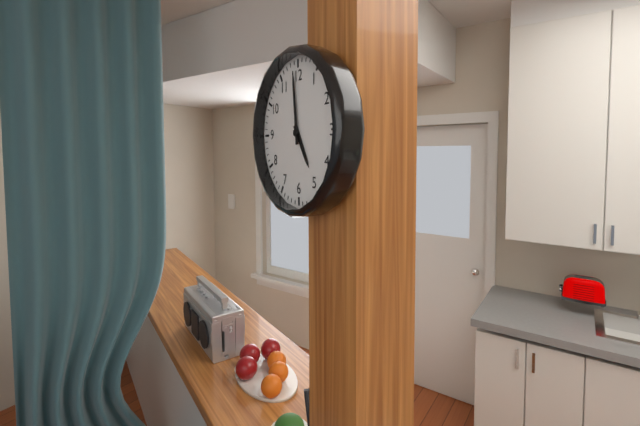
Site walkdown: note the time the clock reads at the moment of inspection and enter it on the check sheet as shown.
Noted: 4:59
